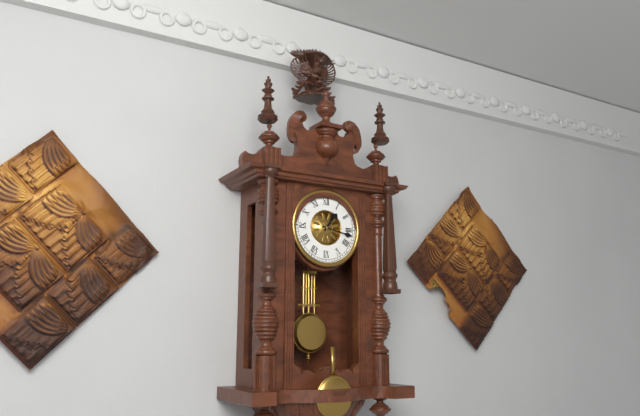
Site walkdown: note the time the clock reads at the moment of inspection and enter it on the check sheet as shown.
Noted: 1:17
